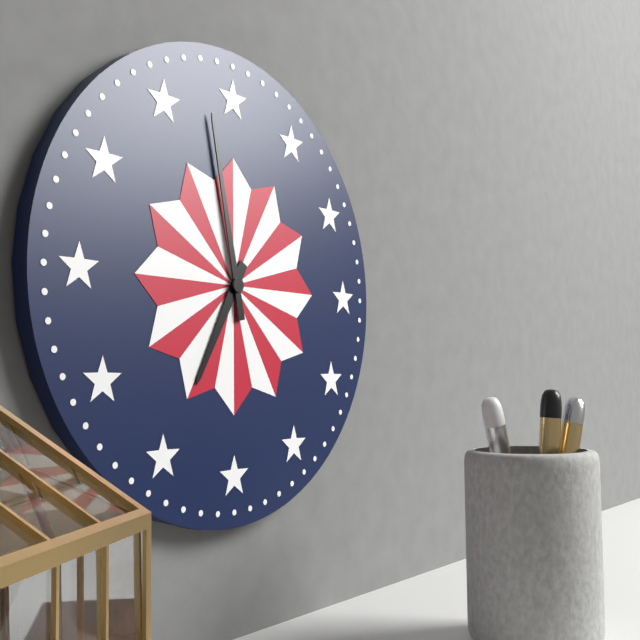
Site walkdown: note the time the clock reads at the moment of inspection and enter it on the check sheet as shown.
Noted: 6:58
